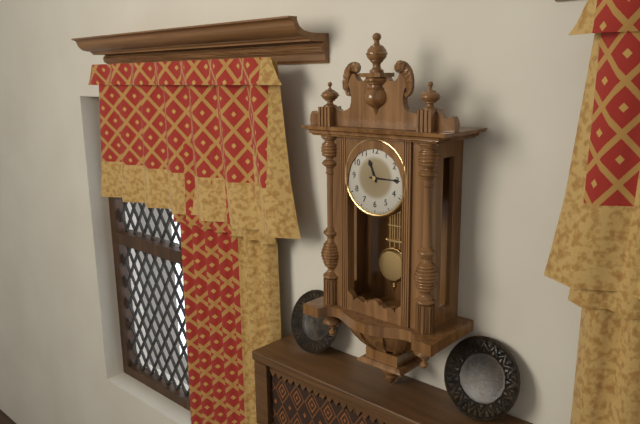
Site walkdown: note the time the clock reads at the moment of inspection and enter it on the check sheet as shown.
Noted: 11:15
